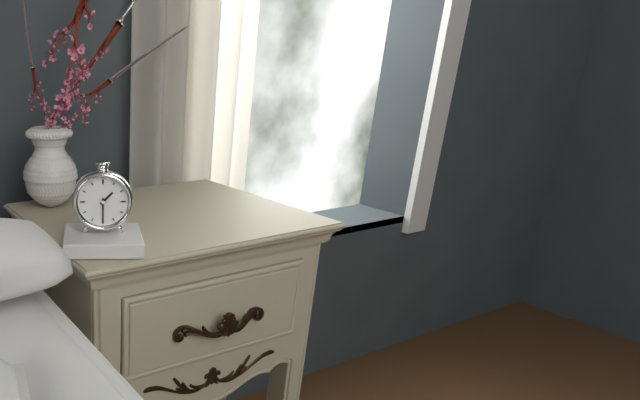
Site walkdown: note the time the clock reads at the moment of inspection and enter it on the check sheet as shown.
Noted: 1:30
